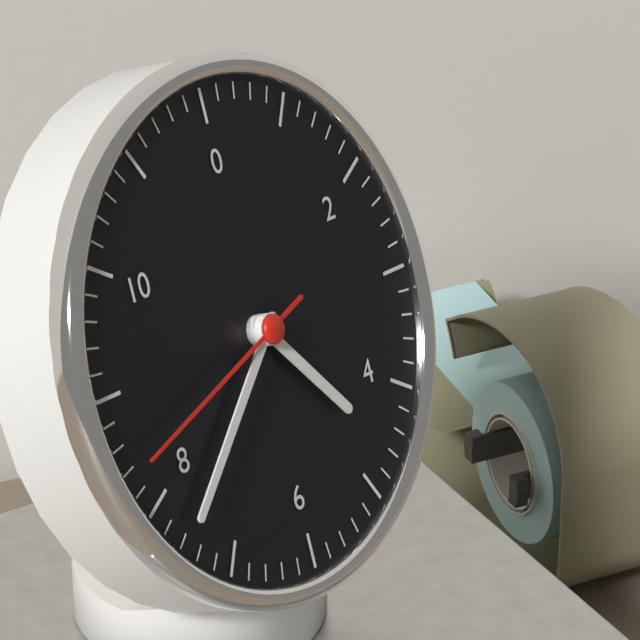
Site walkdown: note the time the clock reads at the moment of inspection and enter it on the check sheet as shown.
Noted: 4:38:42
